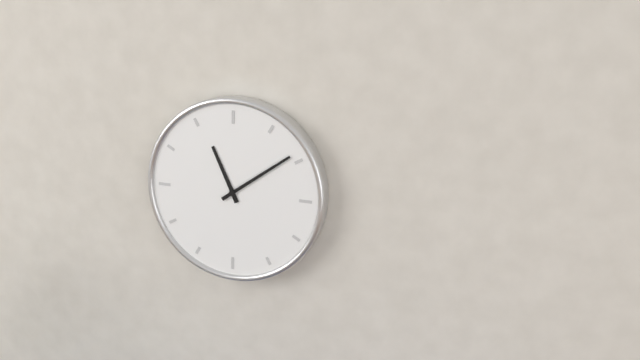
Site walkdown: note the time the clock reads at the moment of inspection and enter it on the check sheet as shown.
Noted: 11:09
